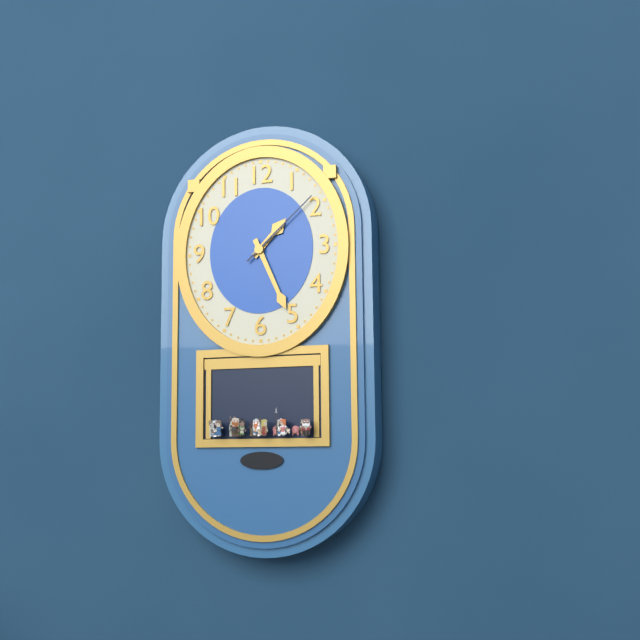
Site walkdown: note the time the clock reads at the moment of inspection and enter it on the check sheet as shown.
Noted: 1:26:08
